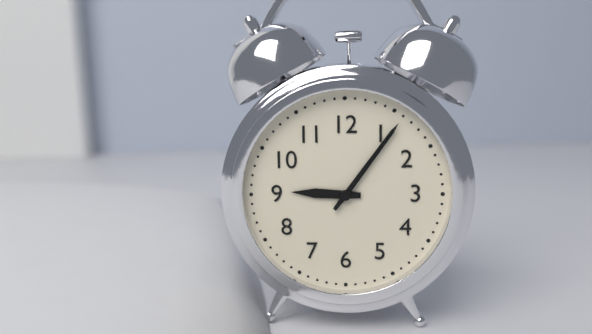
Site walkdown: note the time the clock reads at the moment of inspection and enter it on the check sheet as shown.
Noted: 9:06
